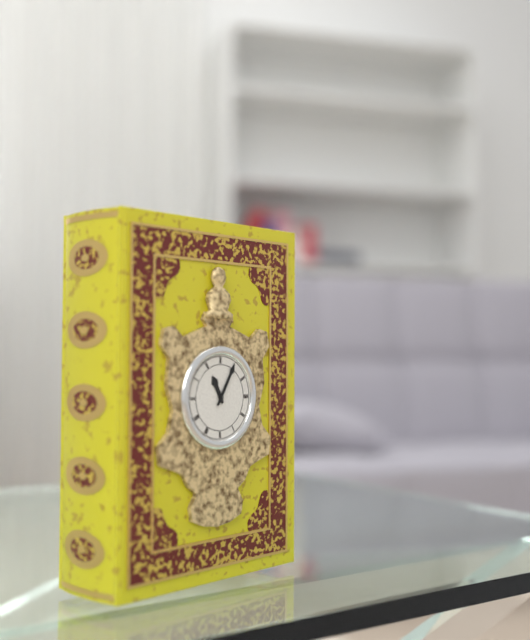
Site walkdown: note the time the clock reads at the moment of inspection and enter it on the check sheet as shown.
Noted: 11:05
